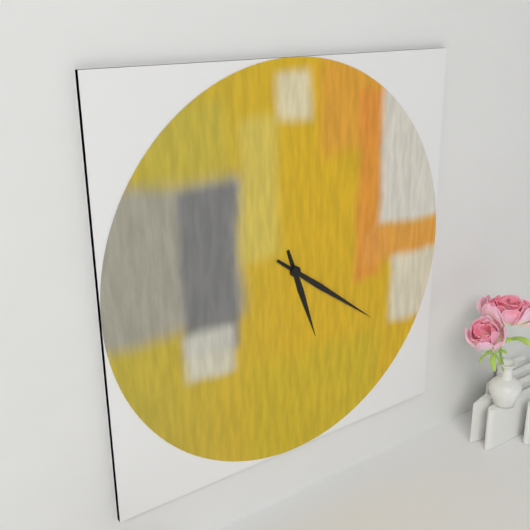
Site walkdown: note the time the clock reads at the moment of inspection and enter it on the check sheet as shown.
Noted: 5:21
